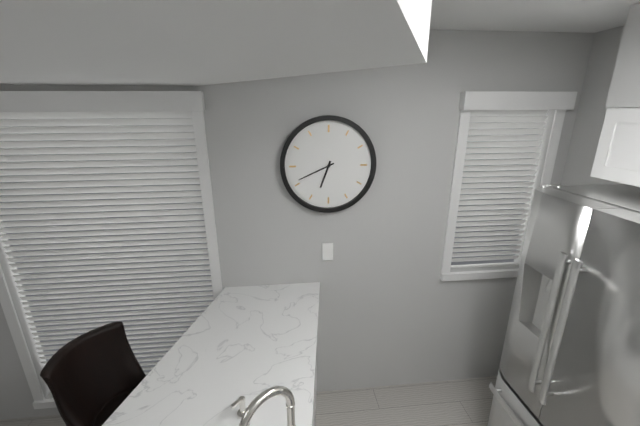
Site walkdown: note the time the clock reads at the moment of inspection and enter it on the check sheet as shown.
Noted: 6:41
